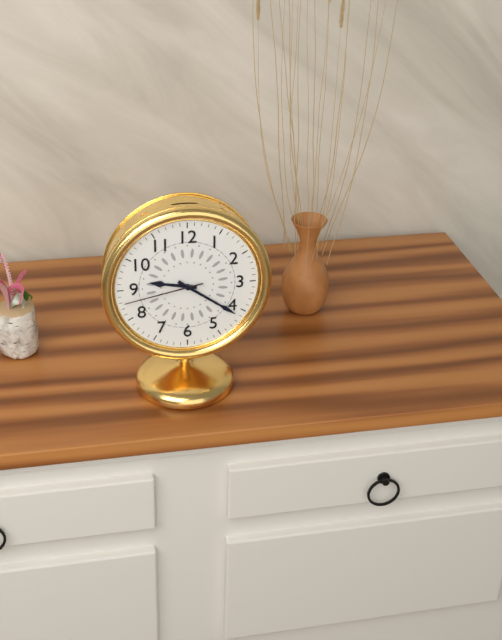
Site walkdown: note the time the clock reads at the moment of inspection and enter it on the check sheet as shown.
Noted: 9:21:43
